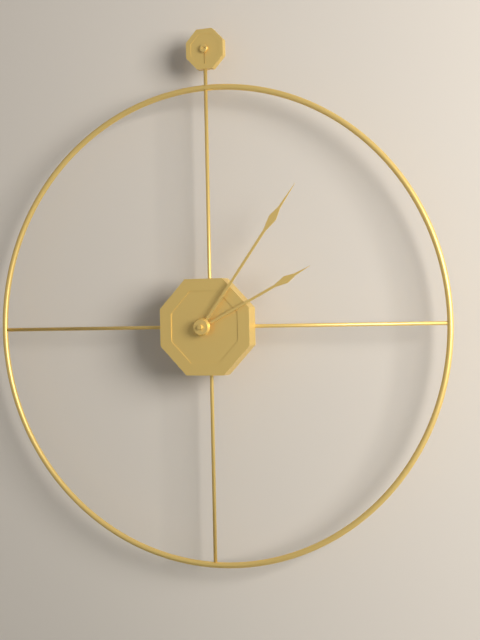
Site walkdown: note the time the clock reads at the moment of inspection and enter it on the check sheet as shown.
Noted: 2:06
